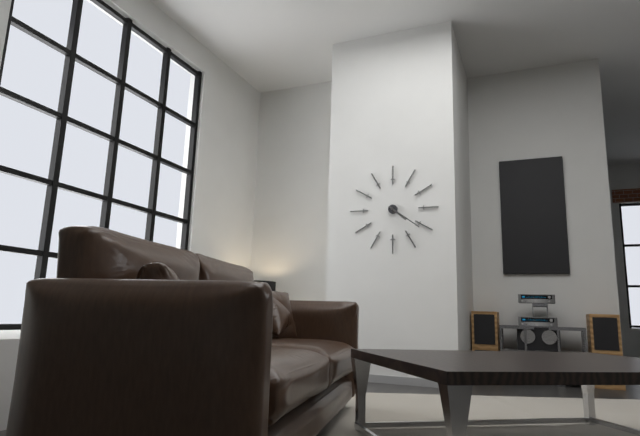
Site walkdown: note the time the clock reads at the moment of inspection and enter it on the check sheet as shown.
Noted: 4:21
